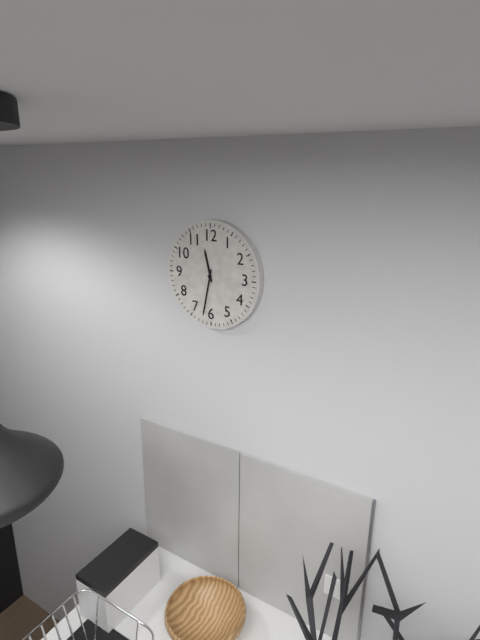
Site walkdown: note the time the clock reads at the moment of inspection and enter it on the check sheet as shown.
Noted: 11:32
